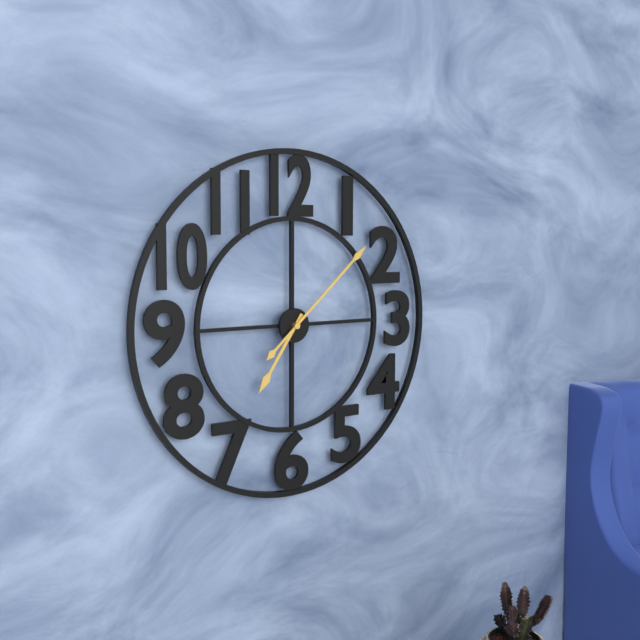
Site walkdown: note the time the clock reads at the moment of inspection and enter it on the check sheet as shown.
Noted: 7:08
